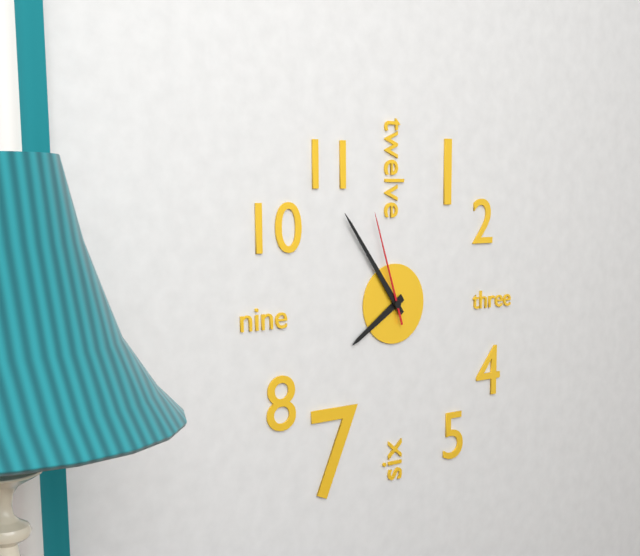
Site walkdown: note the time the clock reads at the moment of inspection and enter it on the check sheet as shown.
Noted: 7:54:57
